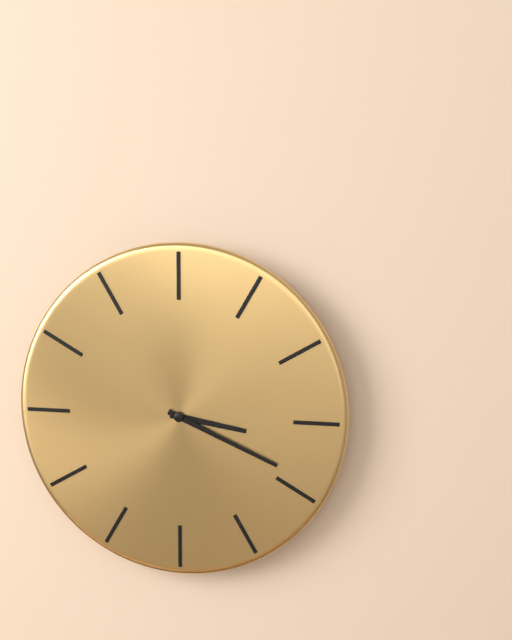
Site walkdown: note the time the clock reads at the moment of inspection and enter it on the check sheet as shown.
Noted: 3:19
